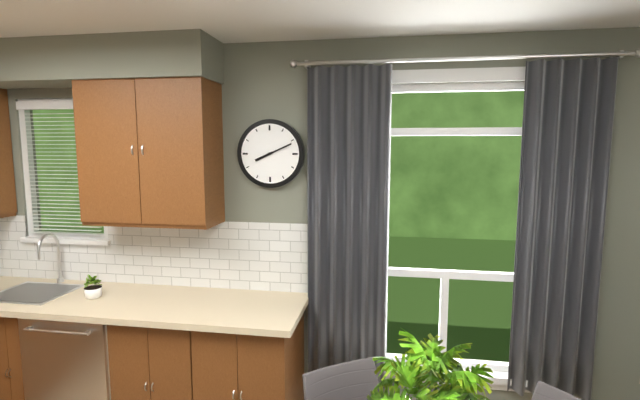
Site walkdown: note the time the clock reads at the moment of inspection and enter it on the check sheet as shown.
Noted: 8:11
